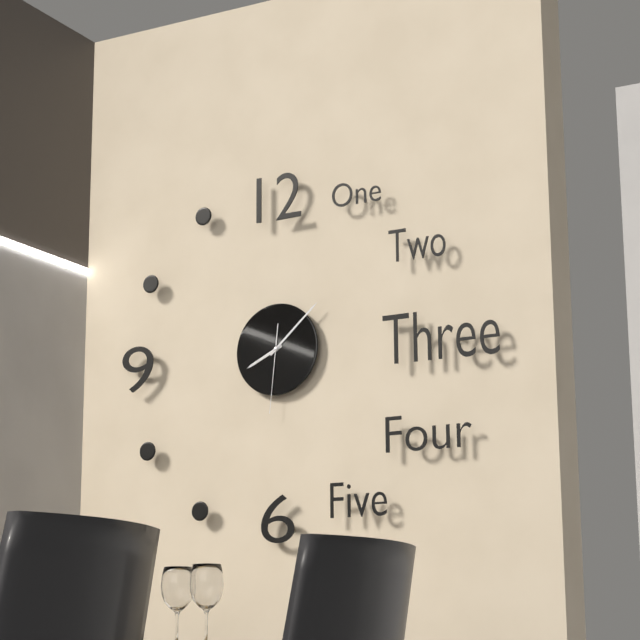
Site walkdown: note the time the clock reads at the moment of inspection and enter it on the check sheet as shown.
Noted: 8:08:31
